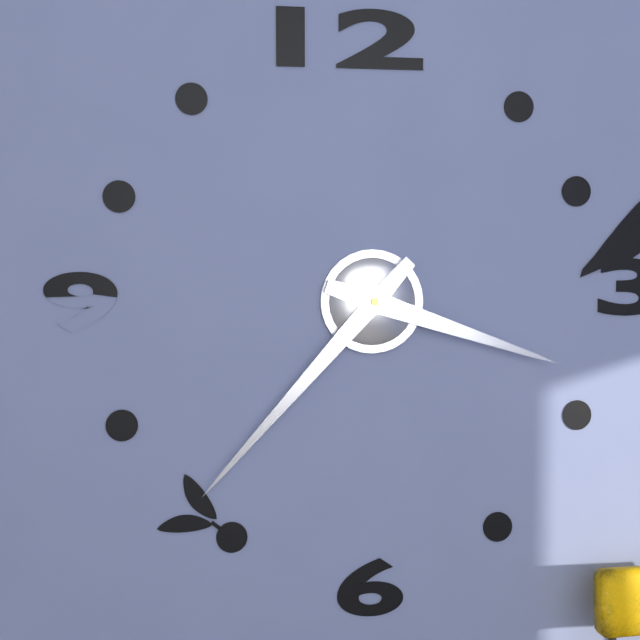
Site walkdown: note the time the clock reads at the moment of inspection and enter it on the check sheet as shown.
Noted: 3:37
